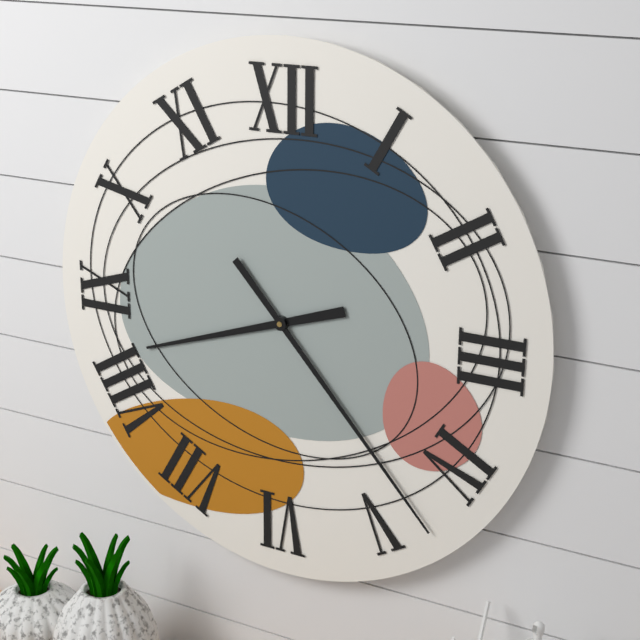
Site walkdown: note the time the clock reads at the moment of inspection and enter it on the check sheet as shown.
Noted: 8:23
